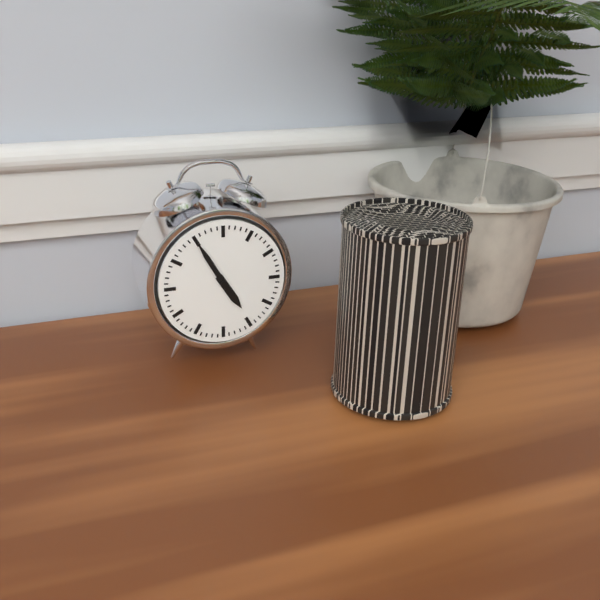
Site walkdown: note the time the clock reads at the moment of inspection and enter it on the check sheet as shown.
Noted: 4:55
